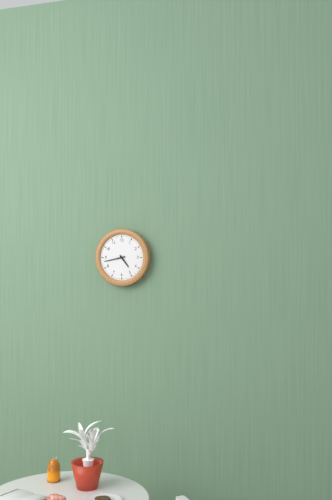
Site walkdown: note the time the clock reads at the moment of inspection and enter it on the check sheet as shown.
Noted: 4:43
